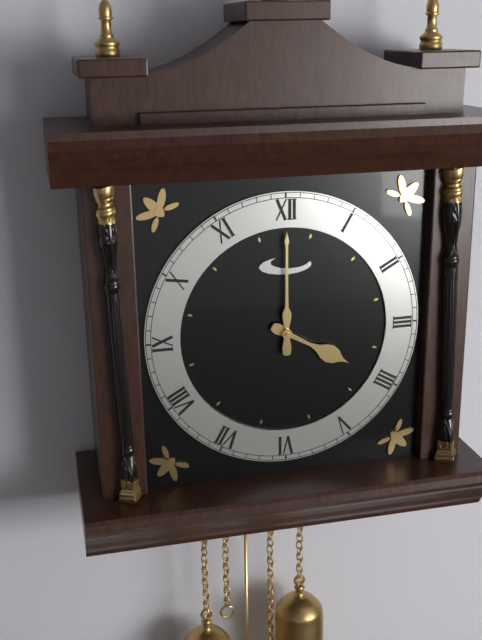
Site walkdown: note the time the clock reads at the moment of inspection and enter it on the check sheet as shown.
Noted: 4:00
